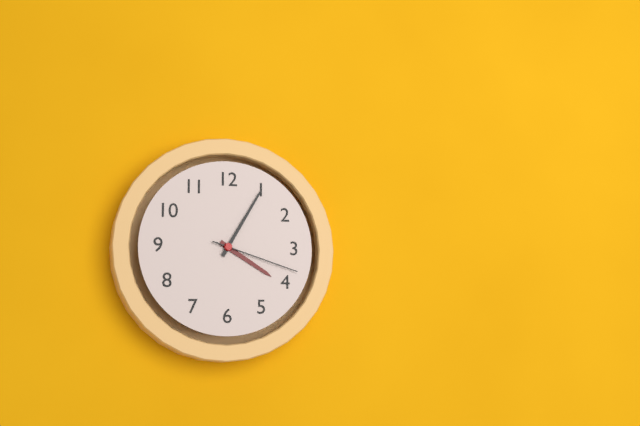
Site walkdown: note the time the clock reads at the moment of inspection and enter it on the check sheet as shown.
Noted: 4:05:18
